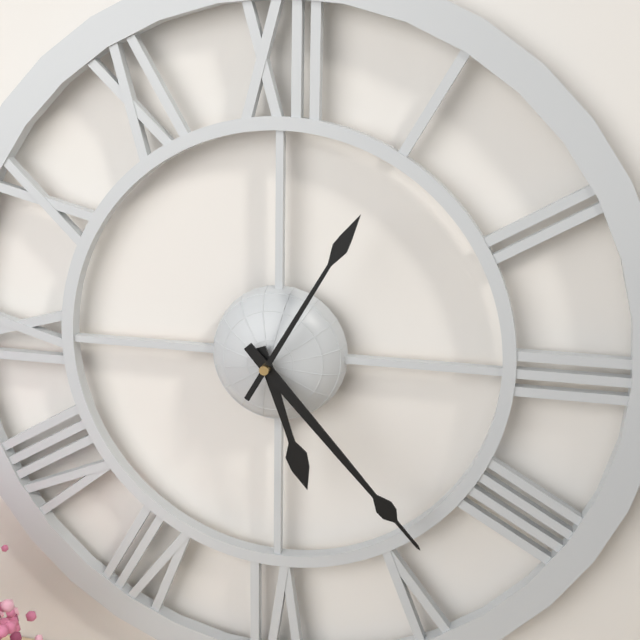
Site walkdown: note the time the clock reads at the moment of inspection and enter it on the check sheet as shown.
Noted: 5:23:05
